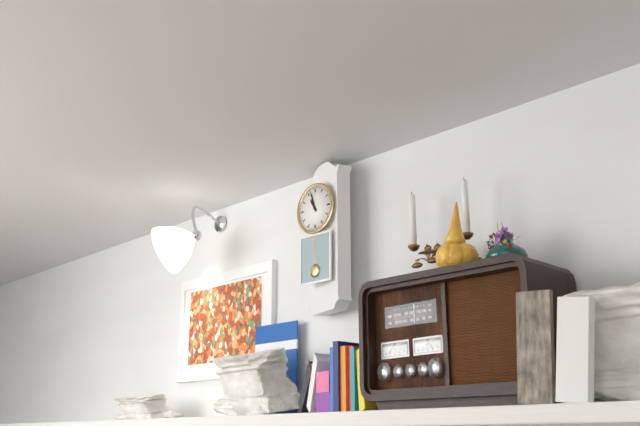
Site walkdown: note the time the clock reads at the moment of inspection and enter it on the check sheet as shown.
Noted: 10:57
